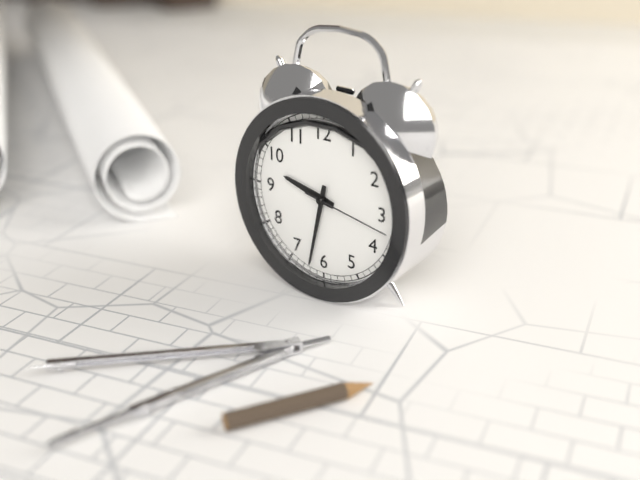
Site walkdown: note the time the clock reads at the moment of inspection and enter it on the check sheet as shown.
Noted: 9:32:17
